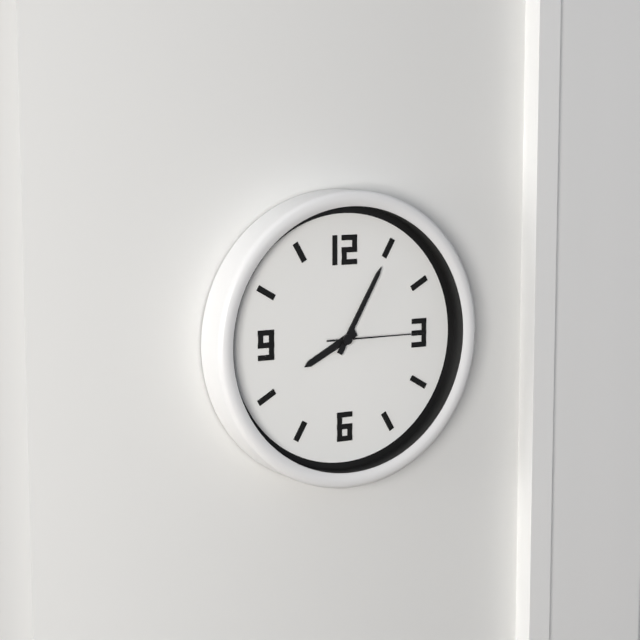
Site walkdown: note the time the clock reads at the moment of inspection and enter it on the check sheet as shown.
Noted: 8:05:15
